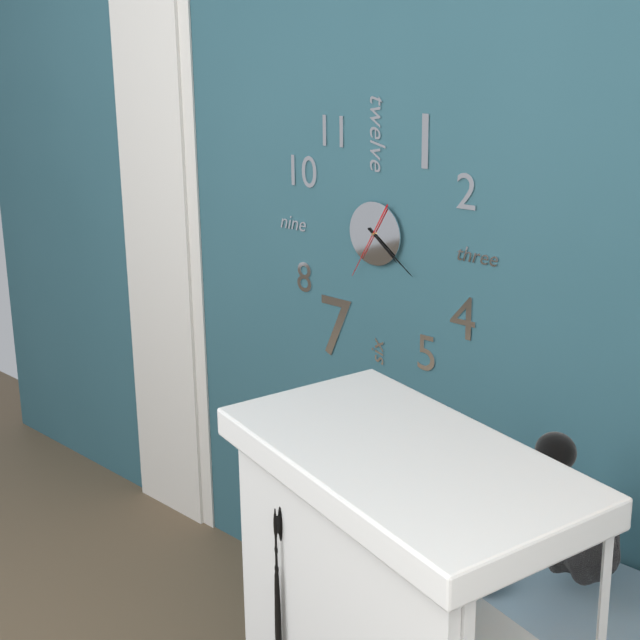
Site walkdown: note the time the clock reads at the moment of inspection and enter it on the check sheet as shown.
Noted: 4:21:35
